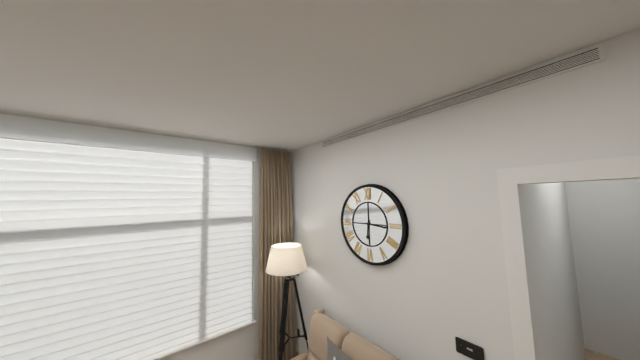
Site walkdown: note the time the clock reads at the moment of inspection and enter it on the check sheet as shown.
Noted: 6:16
